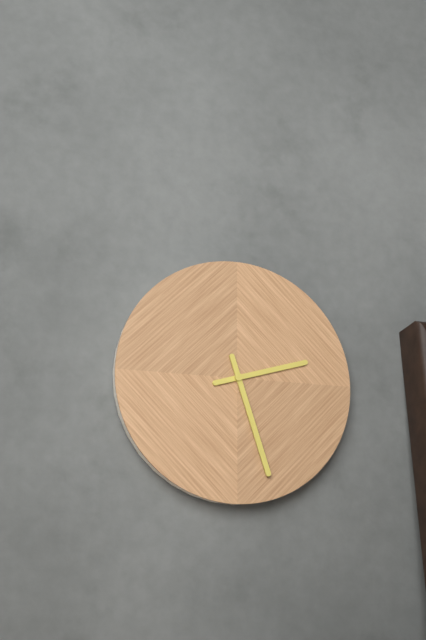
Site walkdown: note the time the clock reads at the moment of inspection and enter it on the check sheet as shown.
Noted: 2:27
